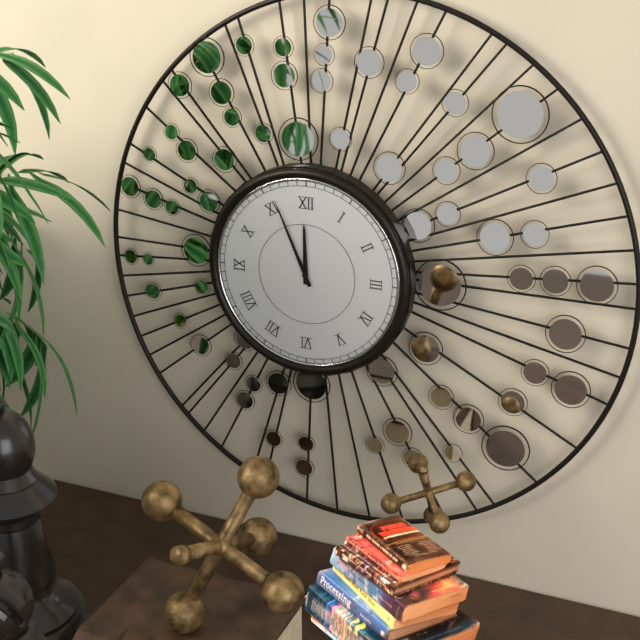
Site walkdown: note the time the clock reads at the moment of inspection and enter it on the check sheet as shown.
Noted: 11:56
